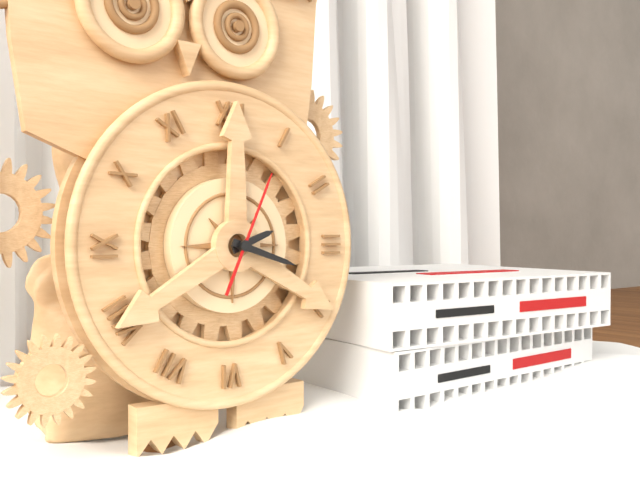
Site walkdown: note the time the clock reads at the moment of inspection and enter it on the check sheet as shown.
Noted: 2:18:04
